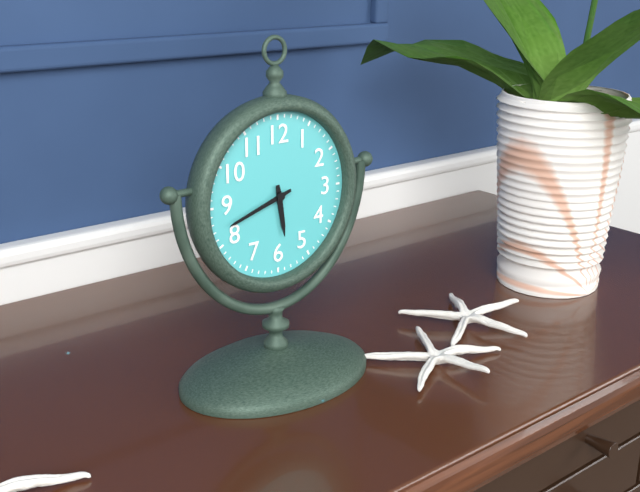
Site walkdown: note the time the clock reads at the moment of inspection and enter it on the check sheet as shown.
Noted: 5:42
